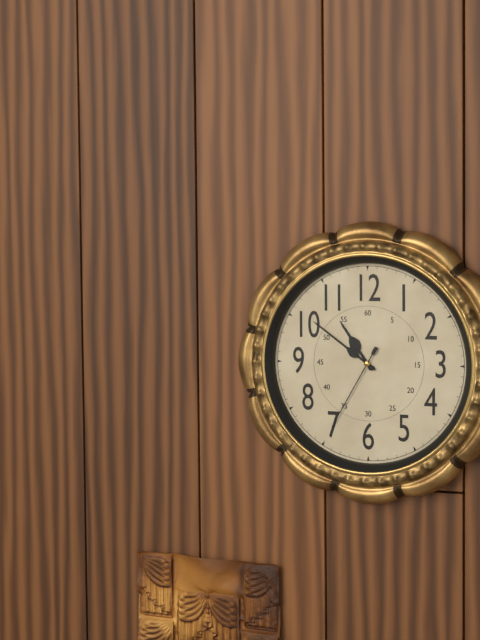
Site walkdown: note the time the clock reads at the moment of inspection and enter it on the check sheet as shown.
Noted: 10:51:35
